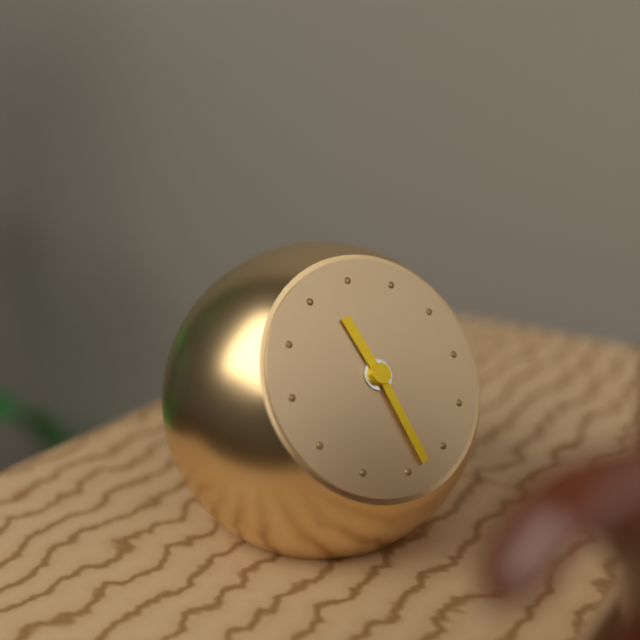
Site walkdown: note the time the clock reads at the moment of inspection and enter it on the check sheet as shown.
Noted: 11:28
